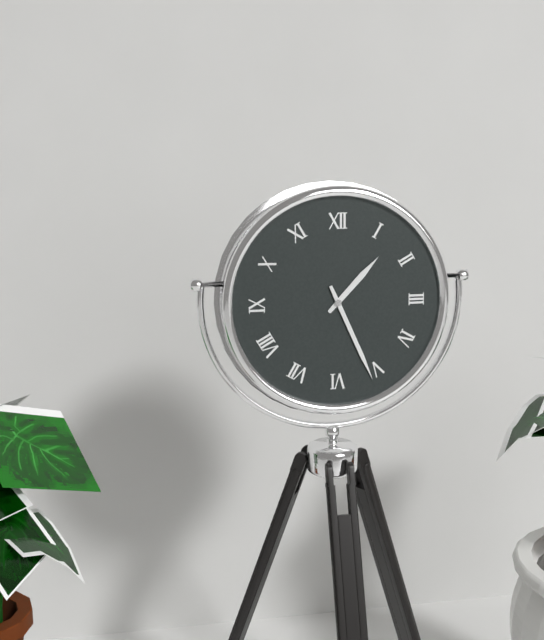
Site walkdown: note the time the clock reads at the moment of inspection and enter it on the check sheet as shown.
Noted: 1:26
